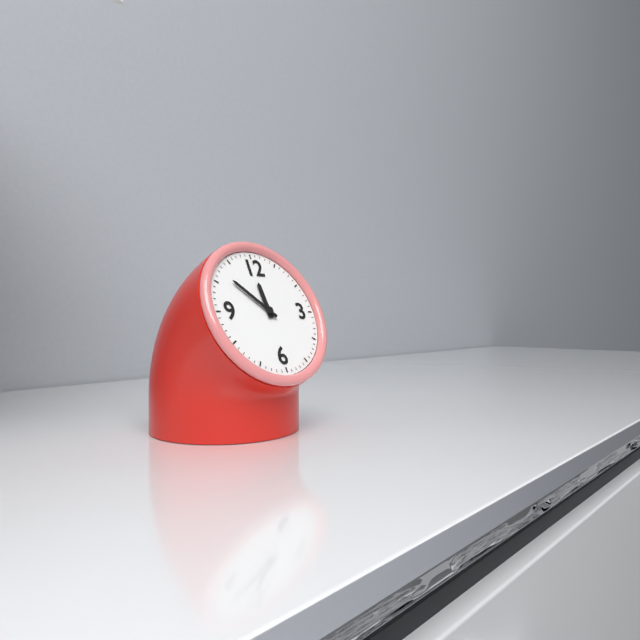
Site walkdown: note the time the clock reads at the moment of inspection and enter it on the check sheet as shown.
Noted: 11:52
